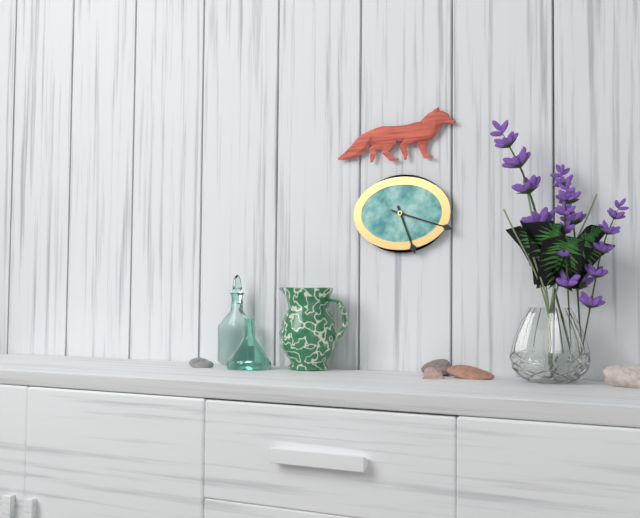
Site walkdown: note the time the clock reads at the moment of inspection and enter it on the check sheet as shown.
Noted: 5:18
